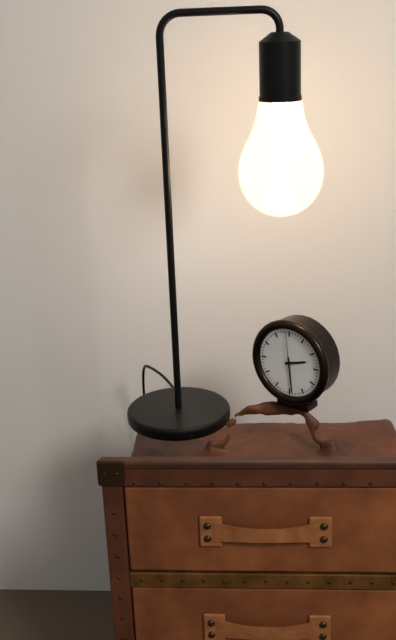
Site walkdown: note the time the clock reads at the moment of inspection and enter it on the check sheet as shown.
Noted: 2:29
